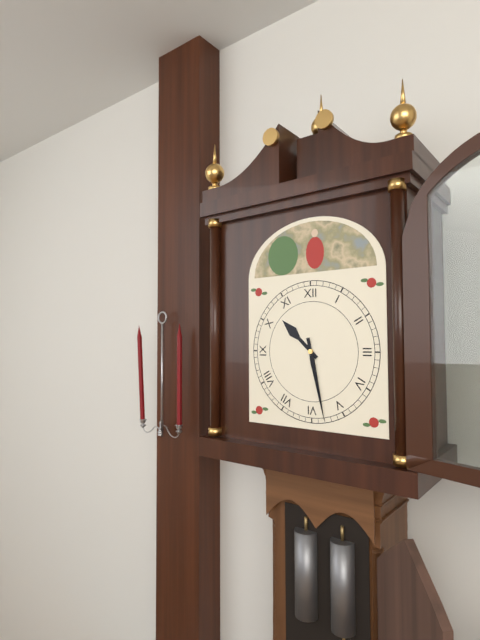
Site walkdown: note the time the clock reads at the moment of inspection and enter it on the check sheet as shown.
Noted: 10:28
